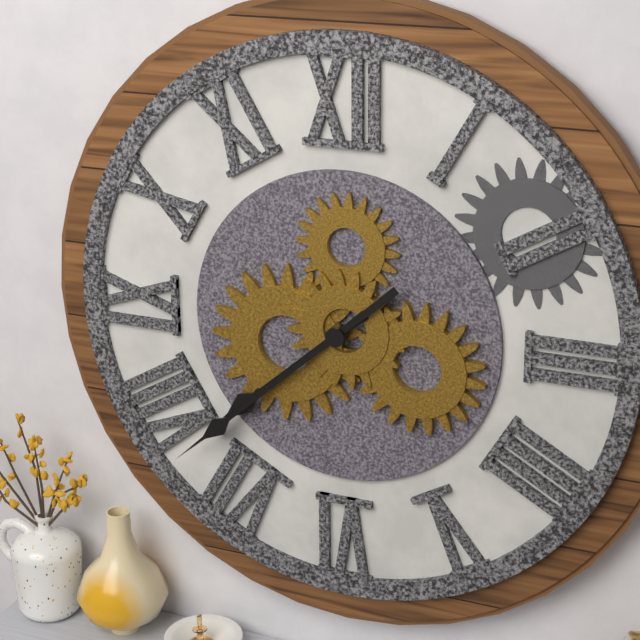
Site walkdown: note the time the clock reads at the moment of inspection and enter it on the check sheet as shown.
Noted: 7:38
